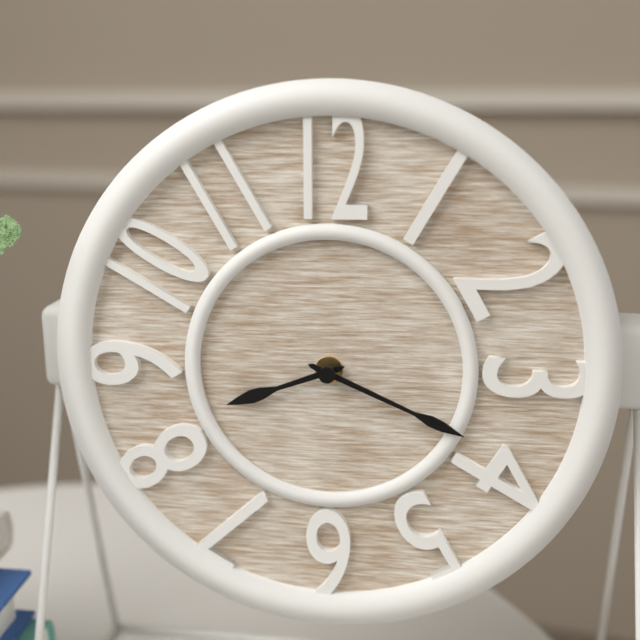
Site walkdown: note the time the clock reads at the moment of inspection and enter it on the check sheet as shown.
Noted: 8:19
